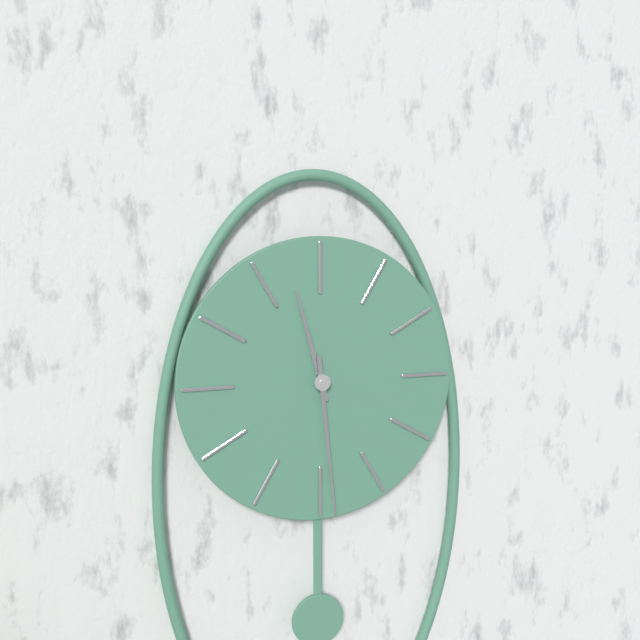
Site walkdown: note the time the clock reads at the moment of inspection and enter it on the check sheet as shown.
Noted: 11:29
